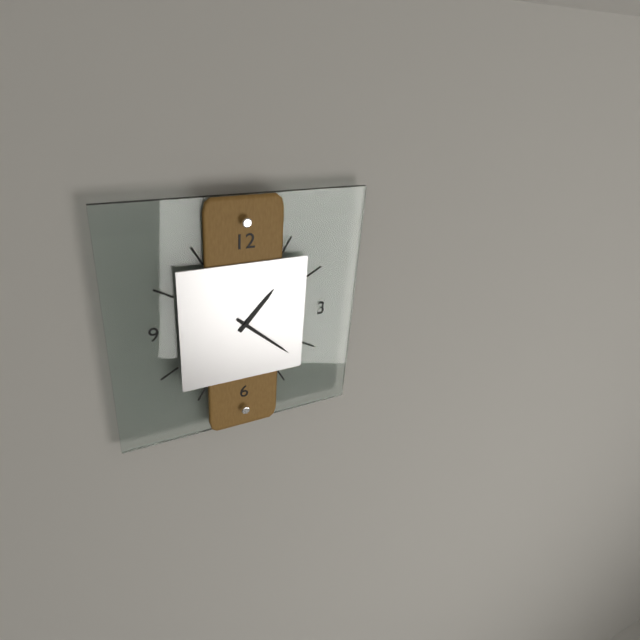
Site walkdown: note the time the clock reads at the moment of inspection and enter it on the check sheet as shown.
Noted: 1:22
